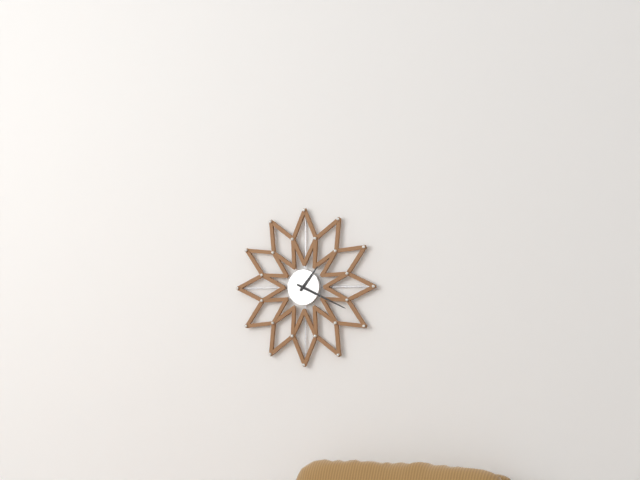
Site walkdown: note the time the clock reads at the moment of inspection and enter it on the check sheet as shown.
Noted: 1:19
